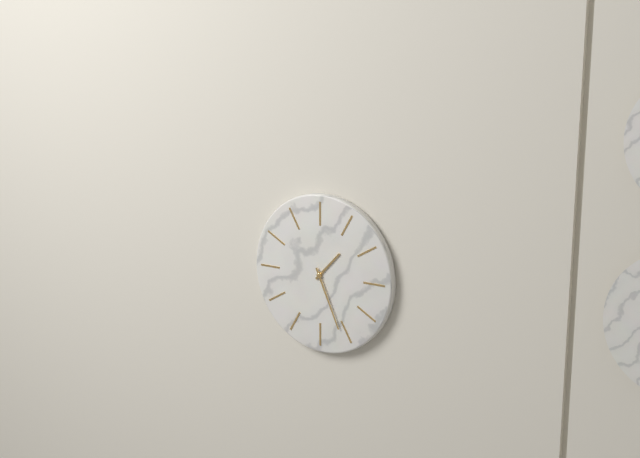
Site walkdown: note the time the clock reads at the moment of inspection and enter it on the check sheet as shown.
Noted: 1:26
